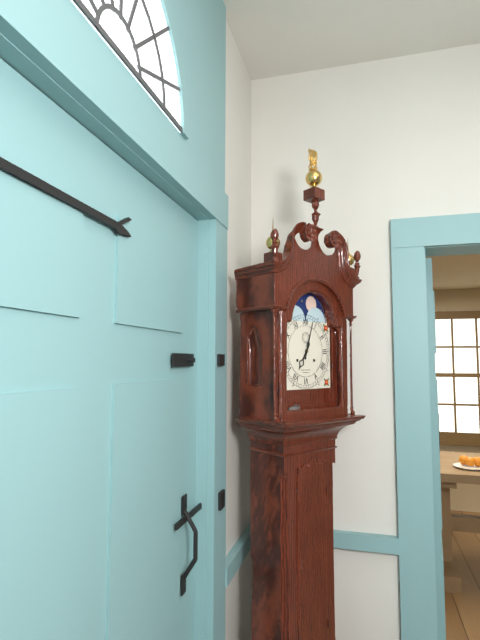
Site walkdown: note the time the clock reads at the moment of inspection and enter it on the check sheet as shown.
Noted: 7:03
